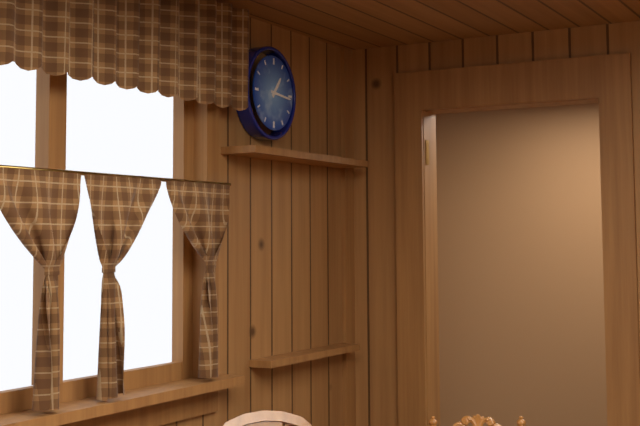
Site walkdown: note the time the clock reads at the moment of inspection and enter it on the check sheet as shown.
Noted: 1:16
